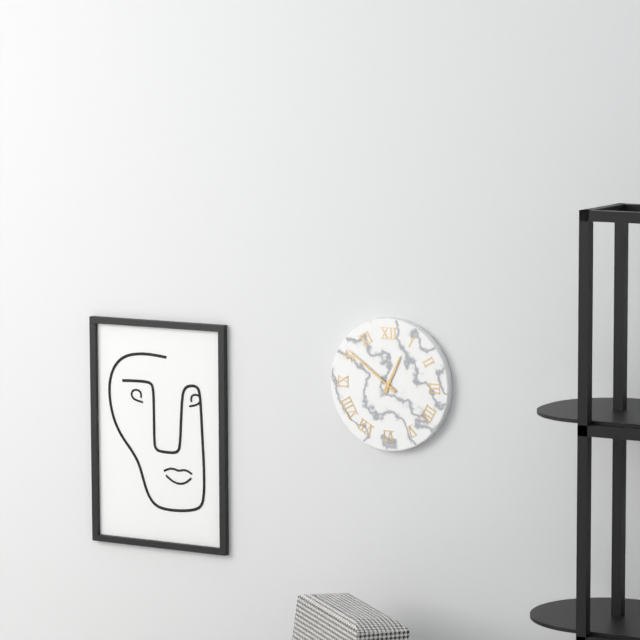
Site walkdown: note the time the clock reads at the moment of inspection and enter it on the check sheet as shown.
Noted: 12:51
